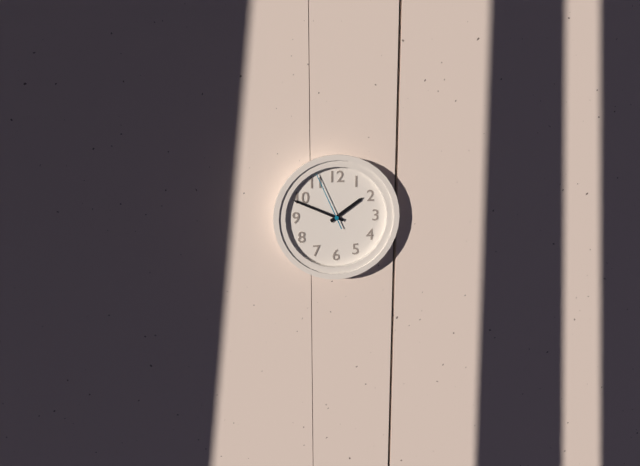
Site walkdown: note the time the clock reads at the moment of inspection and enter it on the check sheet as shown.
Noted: 1:49:56
